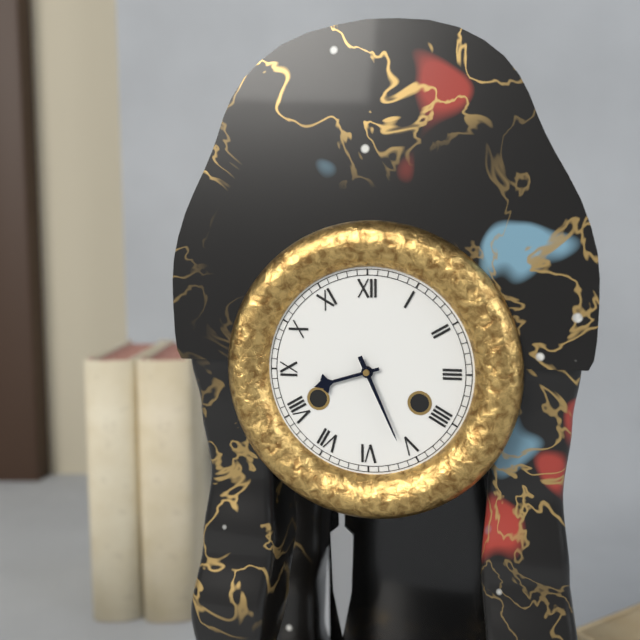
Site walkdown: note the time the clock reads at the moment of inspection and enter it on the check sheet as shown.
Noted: 8:26
